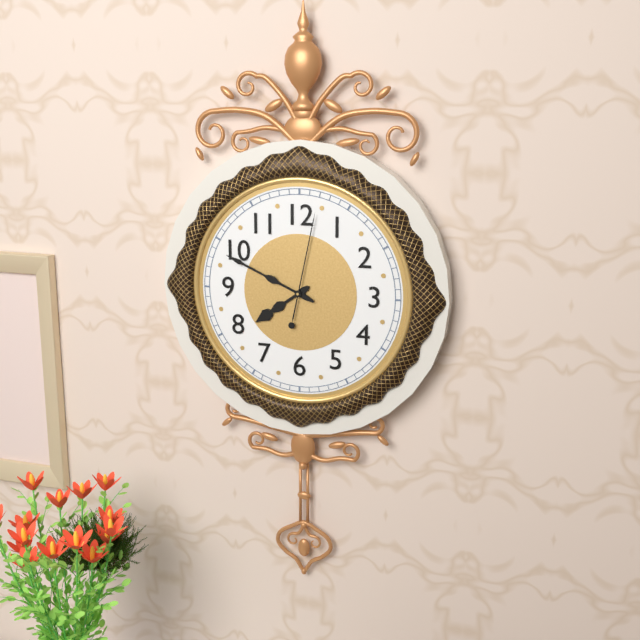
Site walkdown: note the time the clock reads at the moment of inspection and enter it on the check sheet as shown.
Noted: 7:49:02
